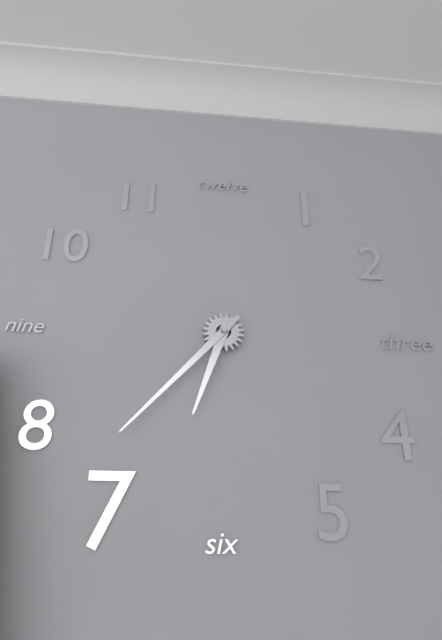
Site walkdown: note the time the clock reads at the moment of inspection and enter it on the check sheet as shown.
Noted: 6:37
